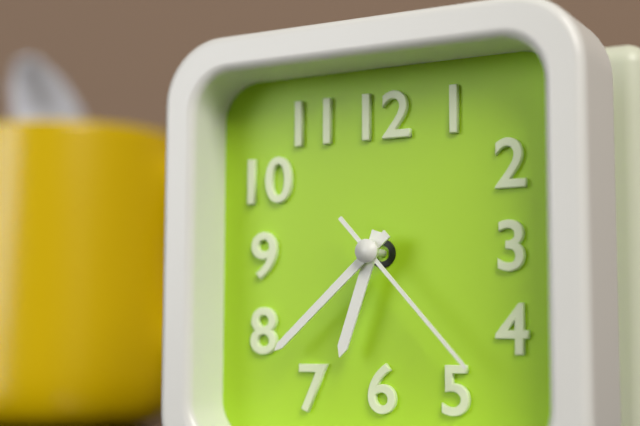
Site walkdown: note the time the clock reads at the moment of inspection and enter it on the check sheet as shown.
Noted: 6:38:23
